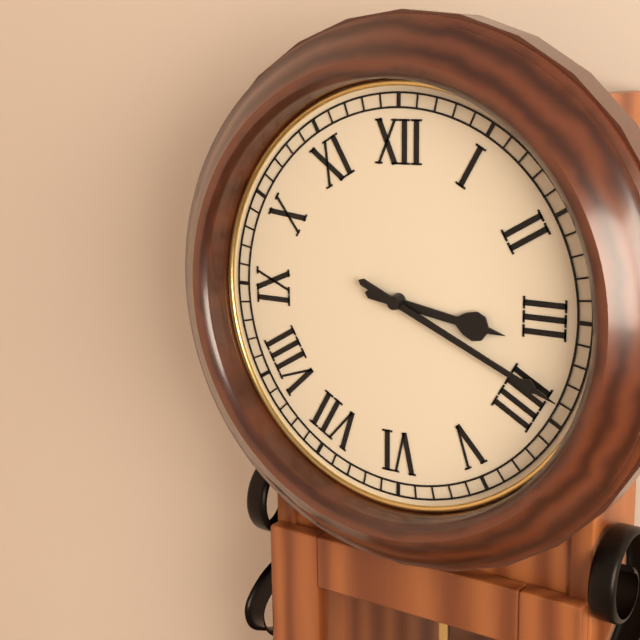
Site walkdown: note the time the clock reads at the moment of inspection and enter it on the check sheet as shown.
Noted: 3:19
